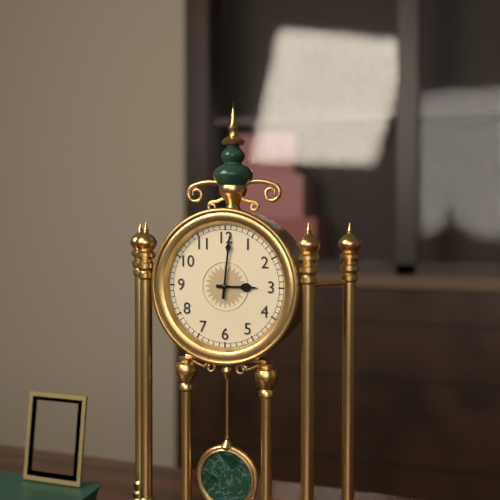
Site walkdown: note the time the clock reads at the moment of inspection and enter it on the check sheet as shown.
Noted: 3:01
